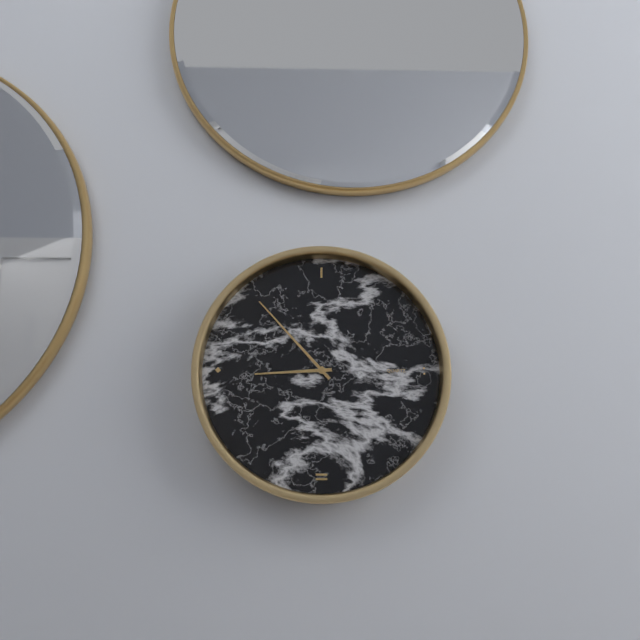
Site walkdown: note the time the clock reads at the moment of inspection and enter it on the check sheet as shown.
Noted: 8:53
